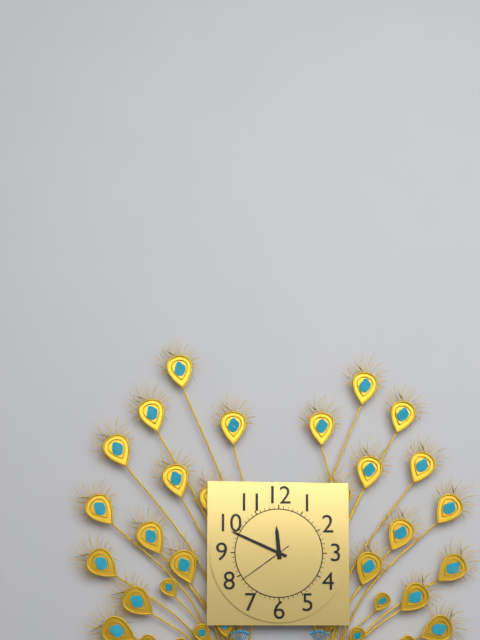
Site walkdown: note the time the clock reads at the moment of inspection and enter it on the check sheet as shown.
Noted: 11:49:39
